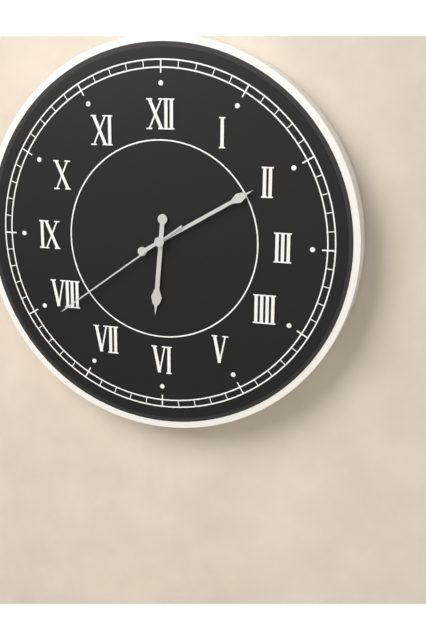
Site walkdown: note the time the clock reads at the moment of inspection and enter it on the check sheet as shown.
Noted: 6:10:39
